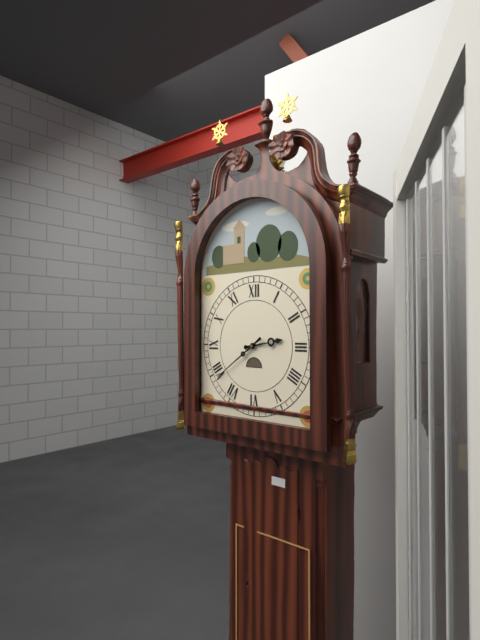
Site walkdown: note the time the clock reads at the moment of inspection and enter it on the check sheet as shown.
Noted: 2:39
